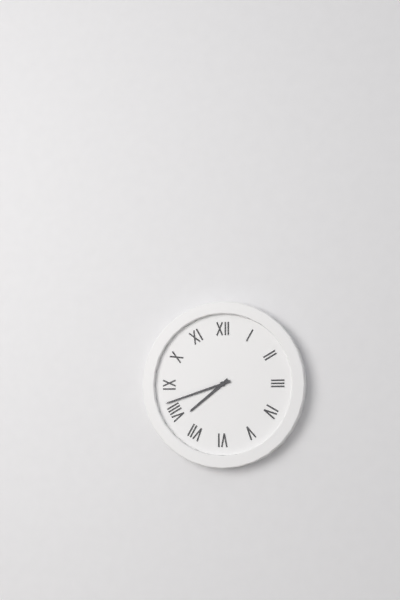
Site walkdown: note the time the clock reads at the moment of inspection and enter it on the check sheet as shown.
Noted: 7:42
